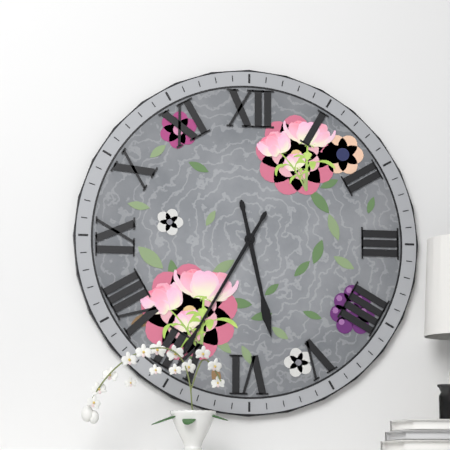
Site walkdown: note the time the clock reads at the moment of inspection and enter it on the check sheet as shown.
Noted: 5:35
